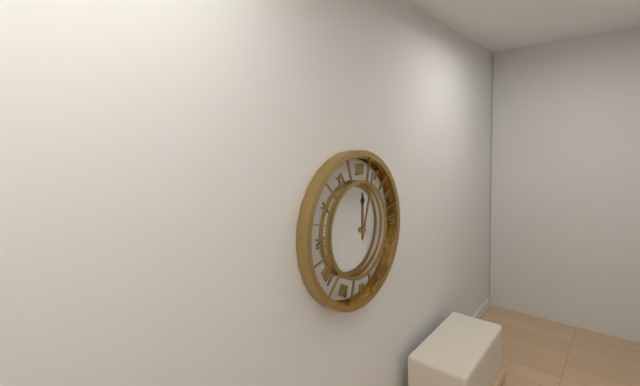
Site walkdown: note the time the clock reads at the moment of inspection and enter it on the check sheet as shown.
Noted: 12:03
